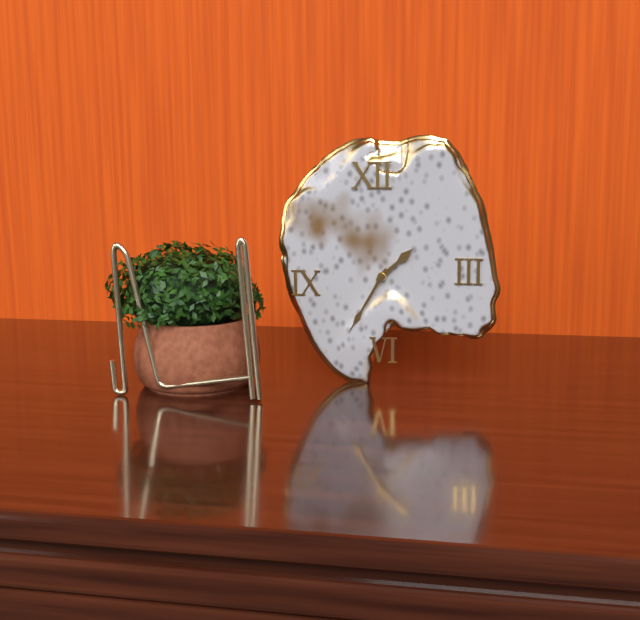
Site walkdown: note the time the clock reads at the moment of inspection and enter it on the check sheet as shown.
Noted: 1:35
